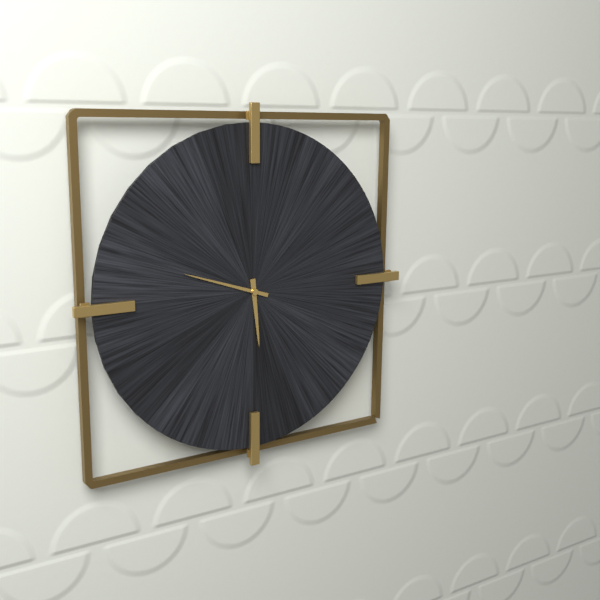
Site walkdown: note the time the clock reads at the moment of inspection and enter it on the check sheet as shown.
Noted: 5:48
